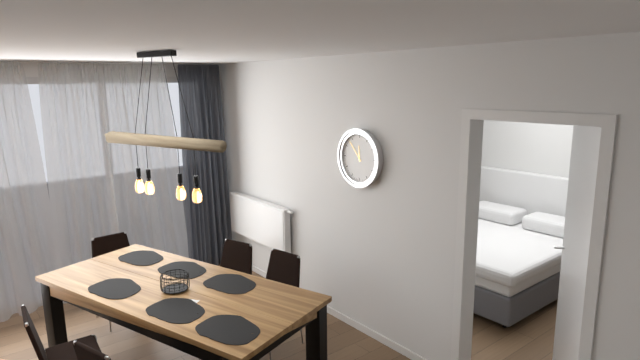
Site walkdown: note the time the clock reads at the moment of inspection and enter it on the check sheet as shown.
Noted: 11:53
